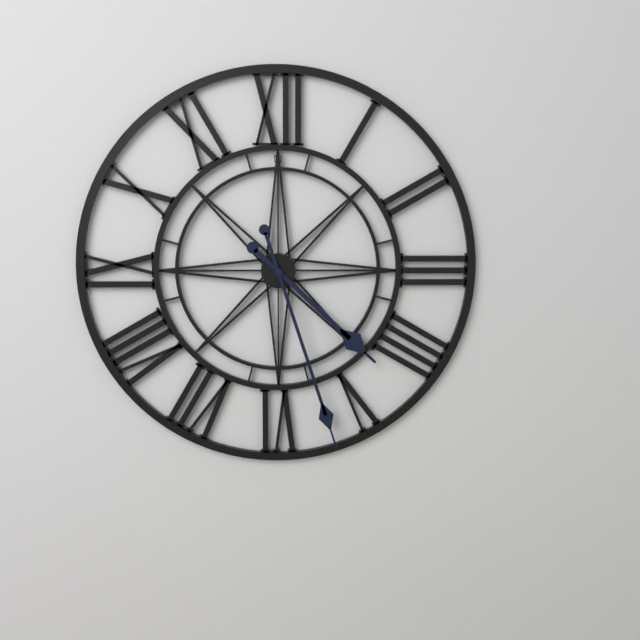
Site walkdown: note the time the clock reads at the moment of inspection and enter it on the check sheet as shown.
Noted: 4:27
